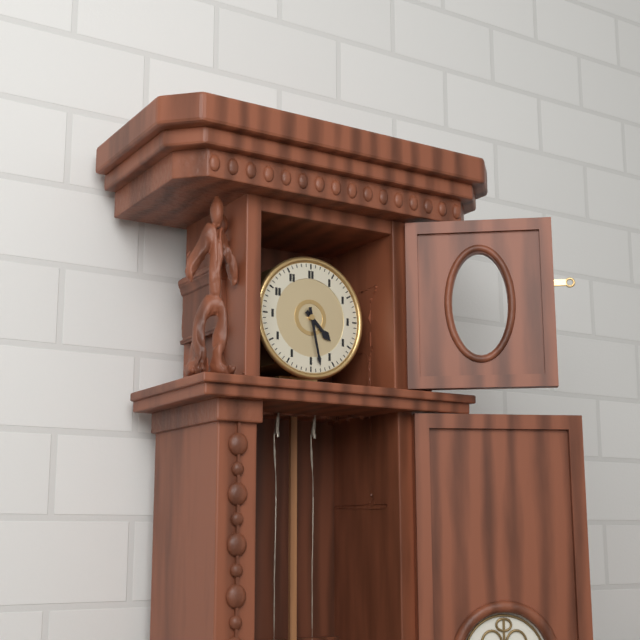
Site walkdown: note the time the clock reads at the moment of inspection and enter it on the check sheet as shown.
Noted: 4:28
